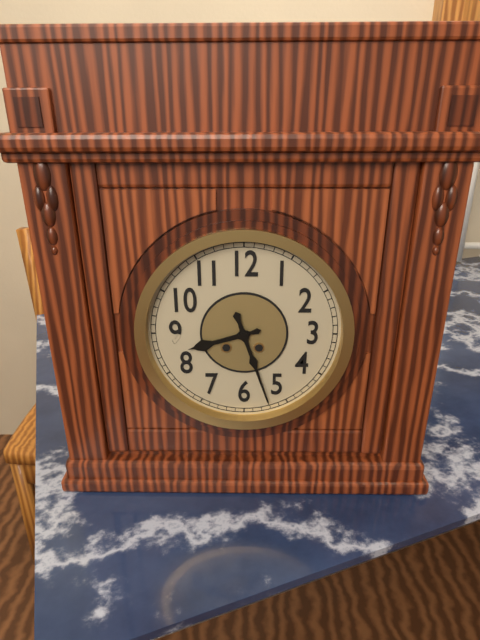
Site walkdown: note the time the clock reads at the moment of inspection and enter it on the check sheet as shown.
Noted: 8:27
